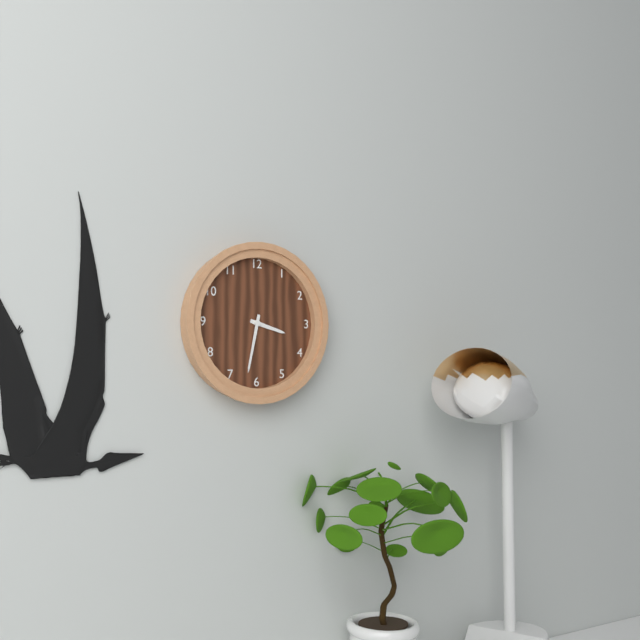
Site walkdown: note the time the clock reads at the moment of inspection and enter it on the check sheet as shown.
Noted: 3:32
